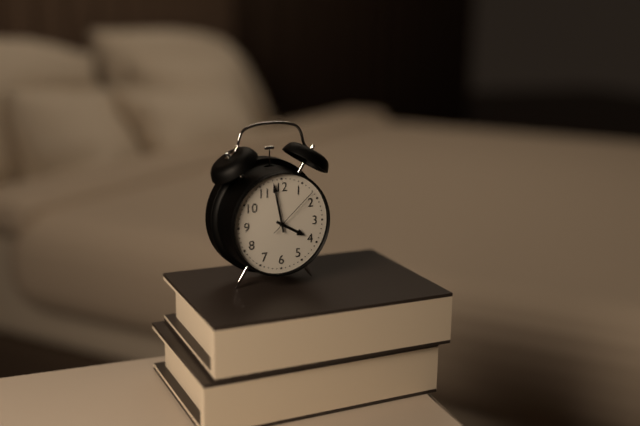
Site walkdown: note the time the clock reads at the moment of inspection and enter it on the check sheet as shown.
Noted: 3:58:08
